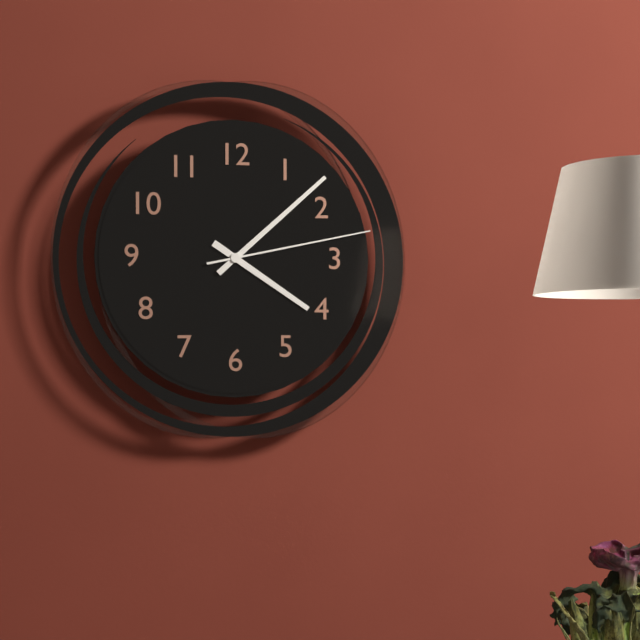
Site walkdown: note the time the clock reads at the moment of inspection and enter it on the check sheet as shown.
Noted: 4:08:13
